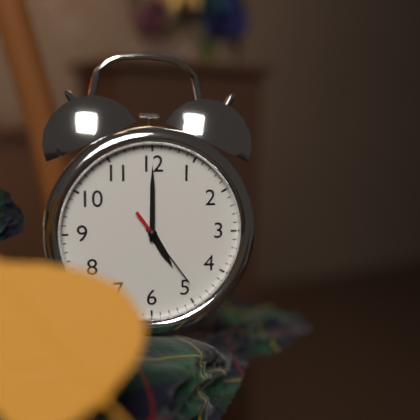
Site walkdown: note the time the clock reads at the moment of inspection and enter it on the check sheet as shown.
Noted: 5:00:24
